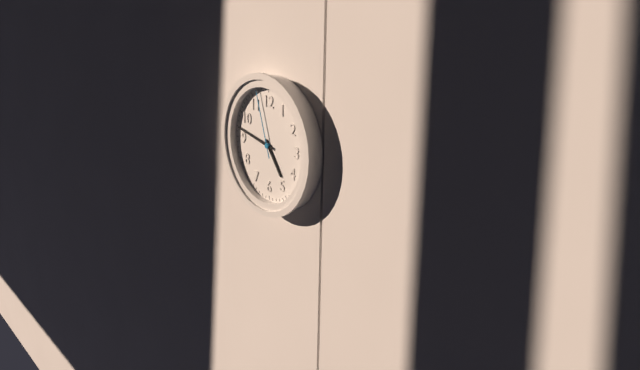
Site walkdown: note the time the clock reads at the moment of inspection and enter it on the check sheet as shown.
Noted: 4:47:57
